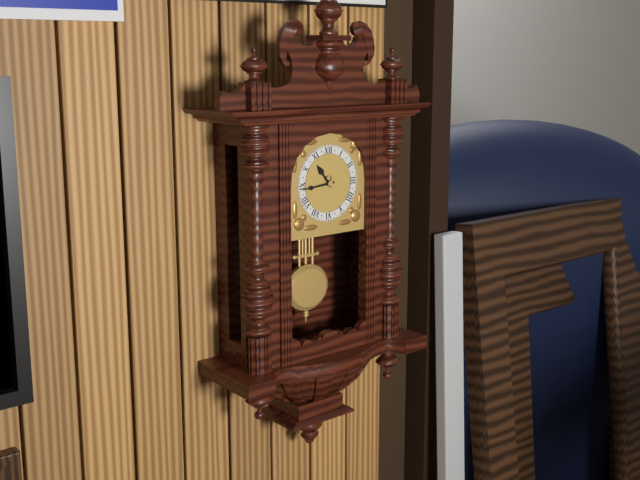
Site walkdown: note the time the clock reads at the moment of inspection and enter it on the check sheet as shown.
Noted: 10:44
